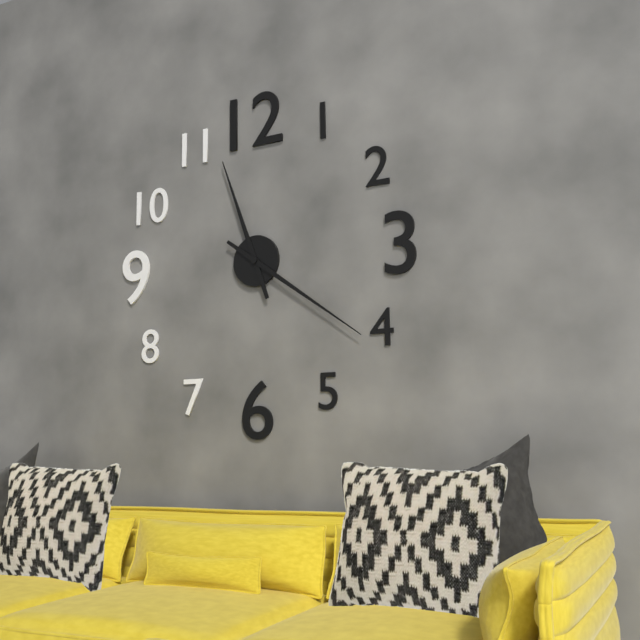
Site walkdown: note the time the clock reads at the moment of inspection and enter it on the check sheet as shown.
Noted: 11:21
